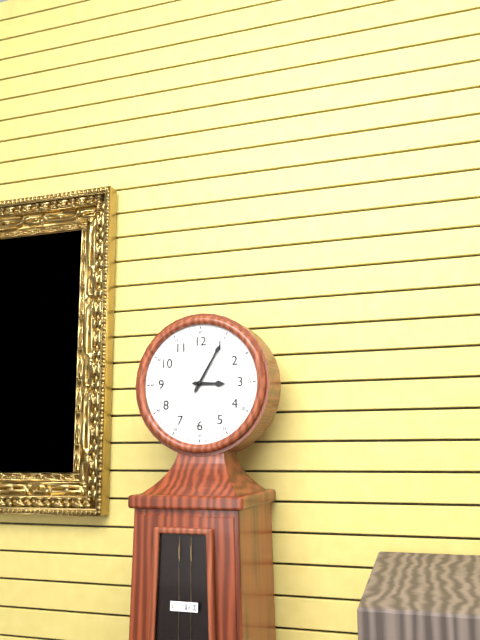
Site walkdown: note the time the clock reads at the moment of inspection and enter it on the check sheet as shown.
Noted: 3:05
